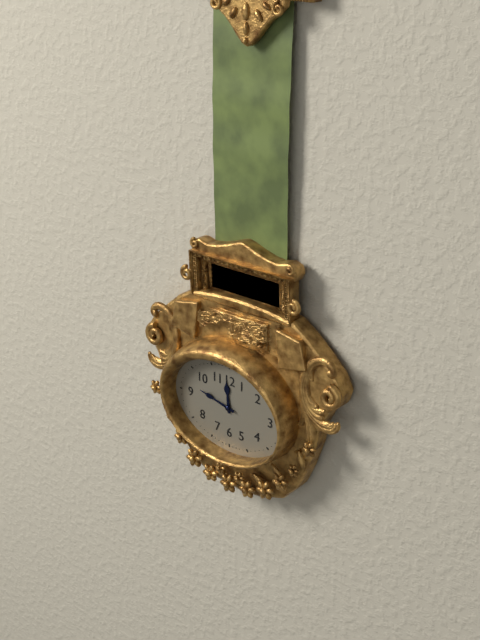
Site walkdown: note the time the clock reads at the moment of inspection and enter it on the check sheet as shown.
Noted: 11:47
